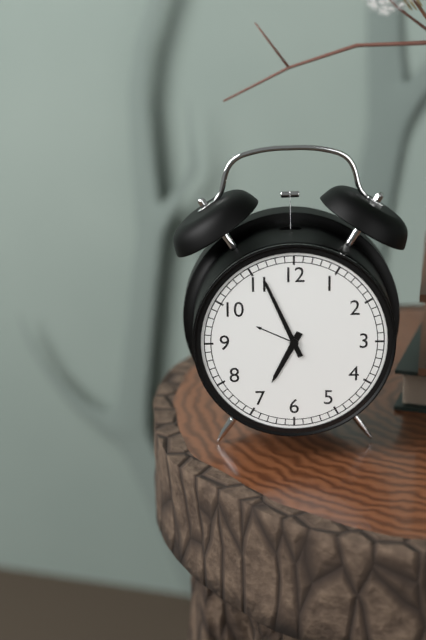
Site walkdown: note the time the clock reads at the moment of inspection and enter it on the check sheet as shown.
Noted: 6:56
